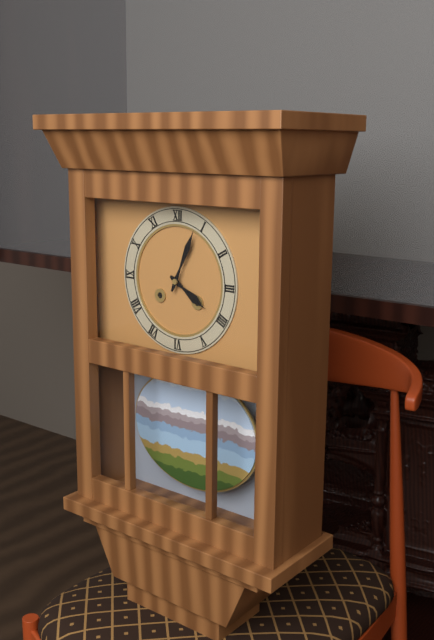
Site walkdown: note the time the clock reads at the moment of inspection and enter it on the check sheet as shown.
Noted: 4:04
